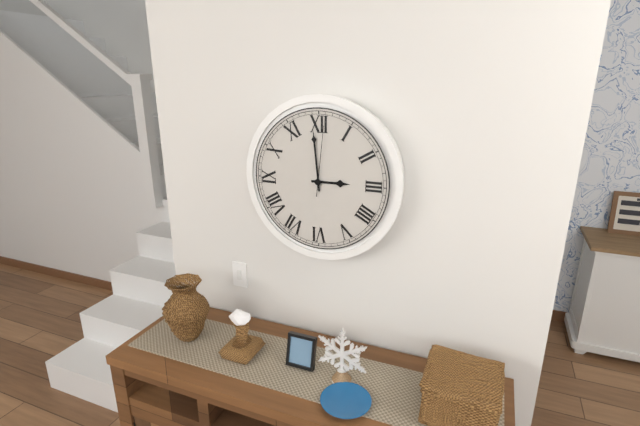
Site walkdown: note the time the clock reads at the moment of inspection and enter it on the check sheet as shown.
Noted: 2:59:01
